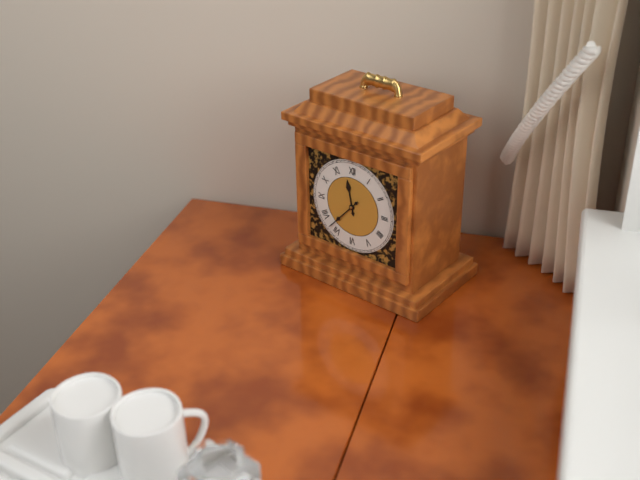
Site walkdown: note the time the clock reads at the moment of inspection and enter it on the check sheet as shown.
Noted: 11:37
